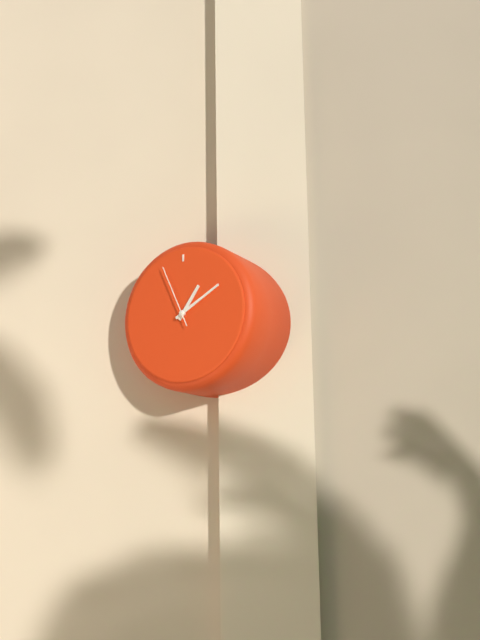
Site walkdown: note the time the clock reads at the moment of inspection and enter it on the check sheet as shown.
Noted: 1:10:56
